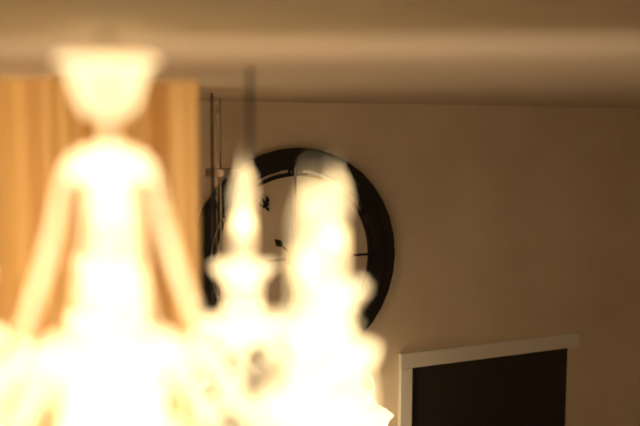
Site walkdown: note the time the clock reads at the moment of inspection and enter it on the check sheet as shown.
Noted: 6:22
